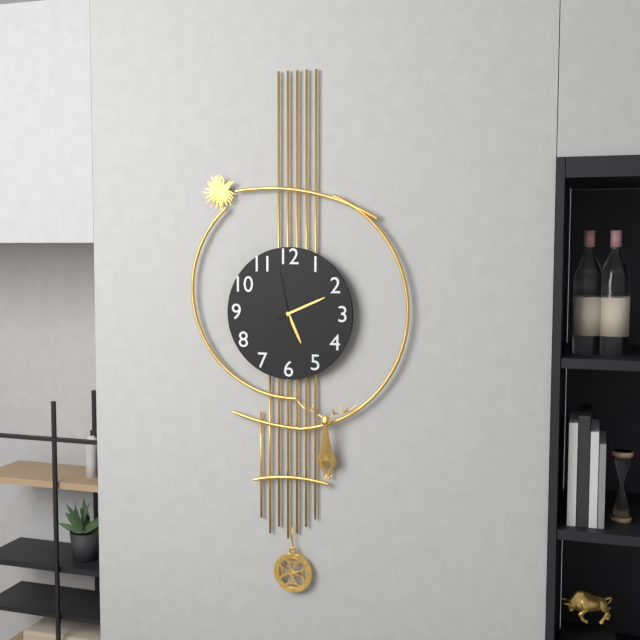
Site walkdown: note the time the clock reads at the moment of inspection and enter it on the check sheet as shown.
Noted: 5:11:58
